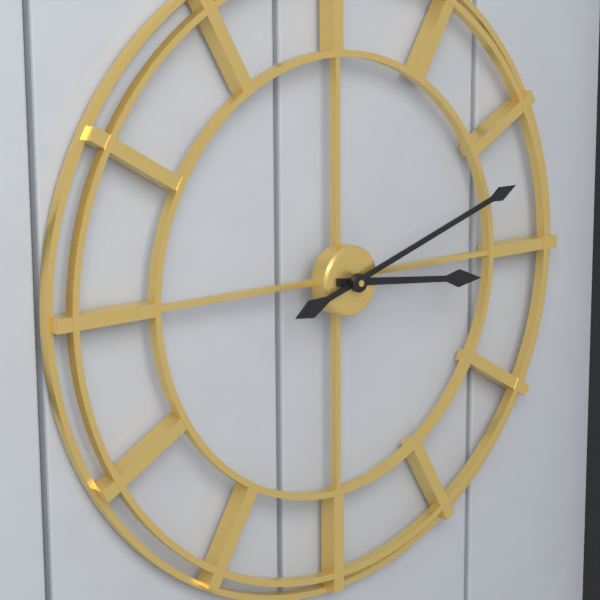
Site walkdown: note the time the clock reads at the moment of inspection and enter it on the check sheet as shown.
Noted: 3:12
